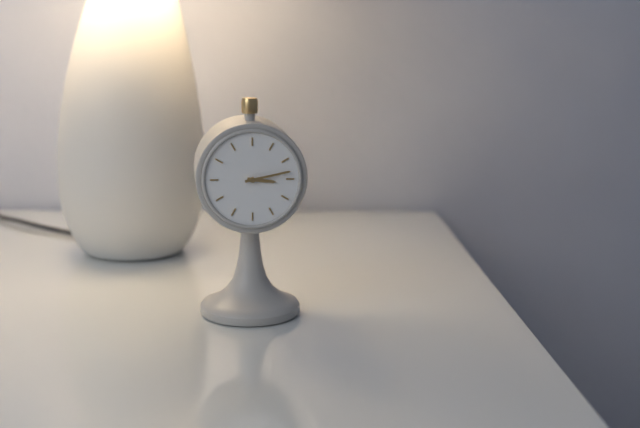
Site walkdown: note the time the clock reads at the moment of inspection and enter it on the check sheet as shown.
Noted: 3:13
